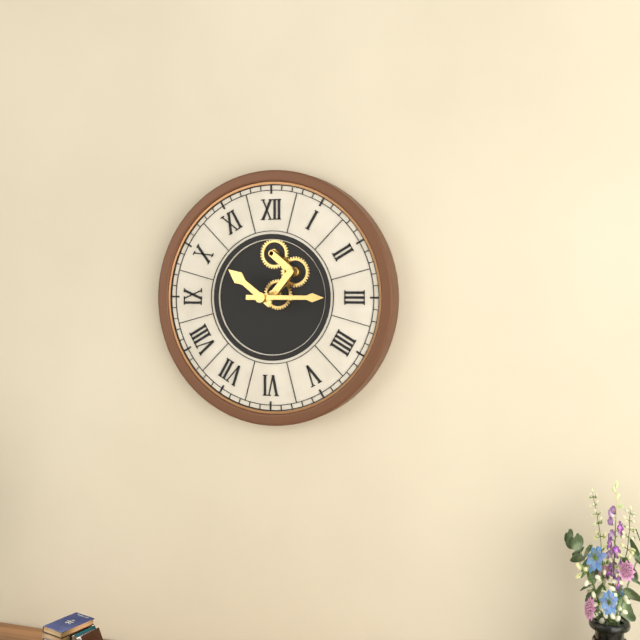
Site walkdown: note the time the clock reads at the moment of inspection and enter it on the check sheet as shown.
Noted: 10:15
